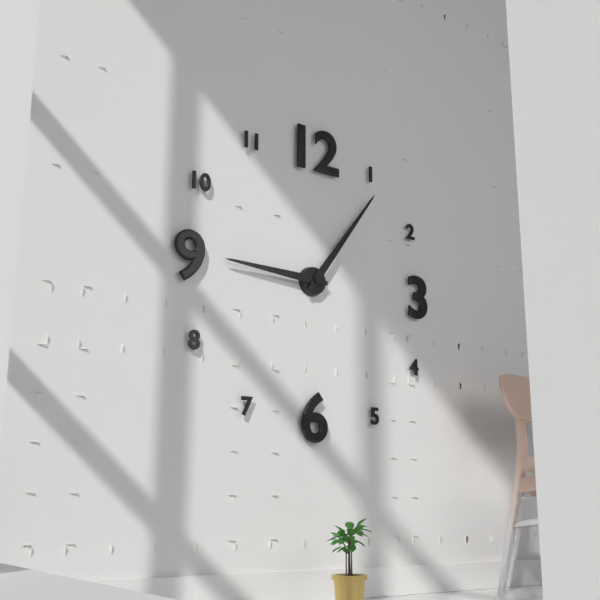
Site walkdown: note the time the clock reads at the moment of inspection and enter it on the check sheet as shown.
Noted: 9:06
